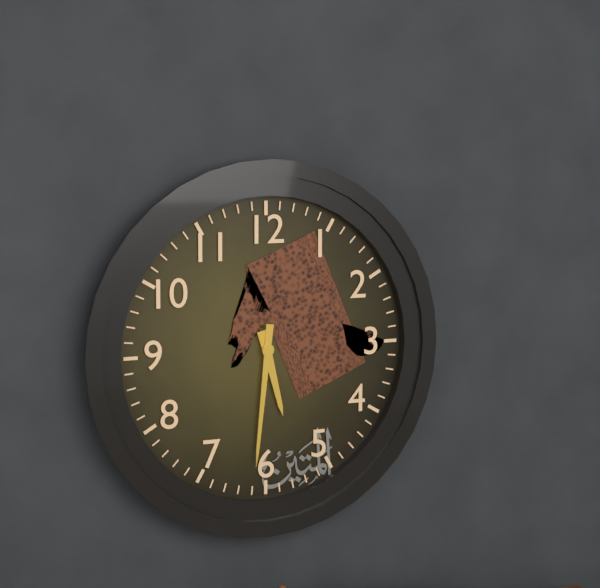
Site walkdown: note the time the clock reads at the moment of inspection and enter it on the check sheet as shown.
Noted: 5:31
